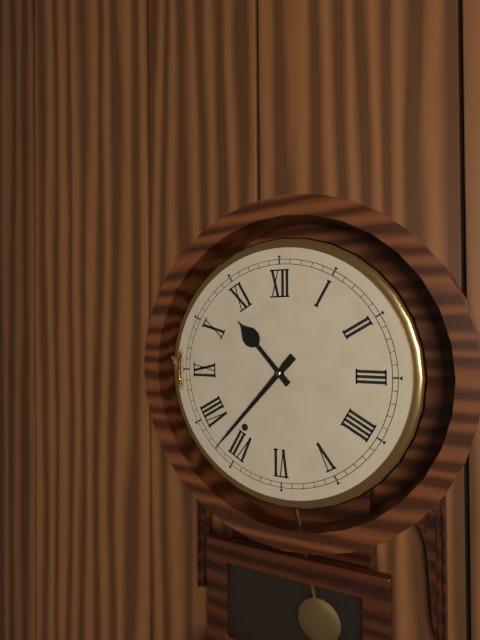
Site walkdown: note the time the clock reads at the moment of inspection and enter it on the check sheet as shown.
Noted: 10:37
